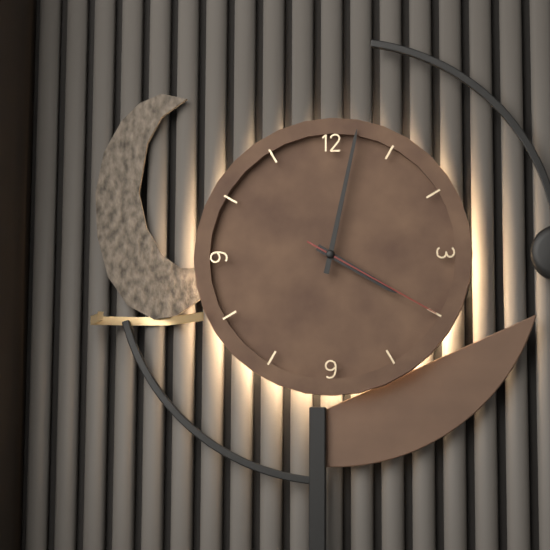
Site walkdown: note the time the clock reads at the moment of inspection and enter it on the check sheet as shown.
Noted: 4:02:20
